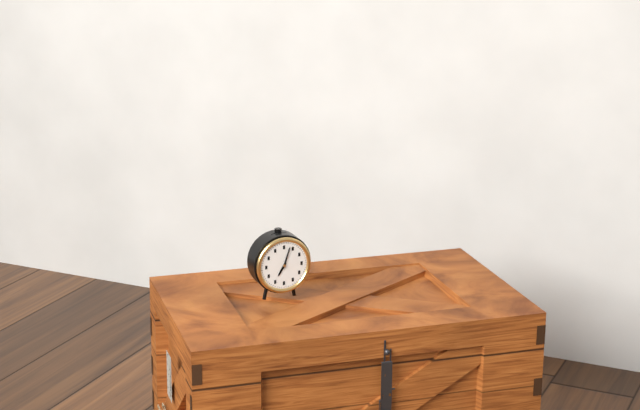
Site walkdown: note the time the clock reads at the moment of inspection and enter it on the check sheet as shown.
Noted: 7:03
